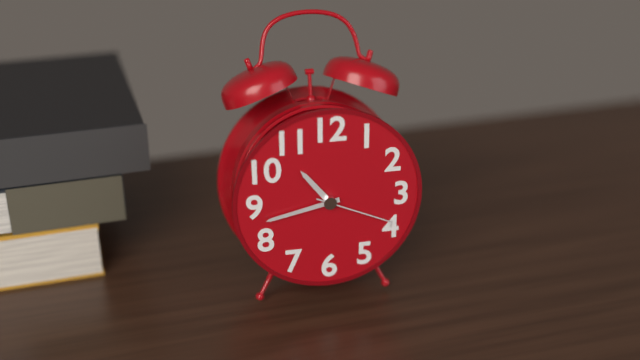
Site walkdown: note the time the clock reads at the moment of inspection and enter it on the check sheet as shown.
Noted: 10:43:19
